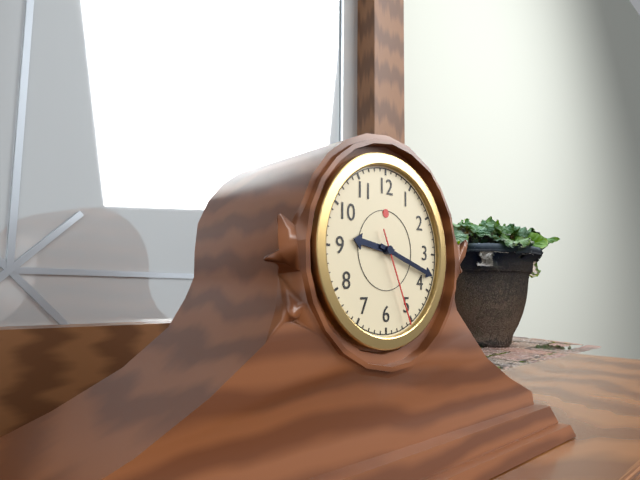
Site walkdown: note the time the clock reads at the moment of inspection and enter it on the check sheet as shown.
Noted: 9:18:26
